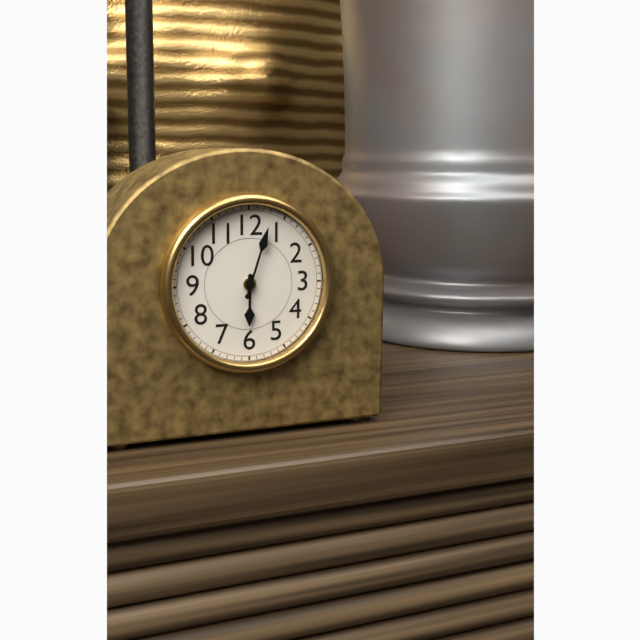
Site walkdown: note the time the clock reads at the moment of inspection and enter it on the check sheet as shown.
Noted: 6:03
